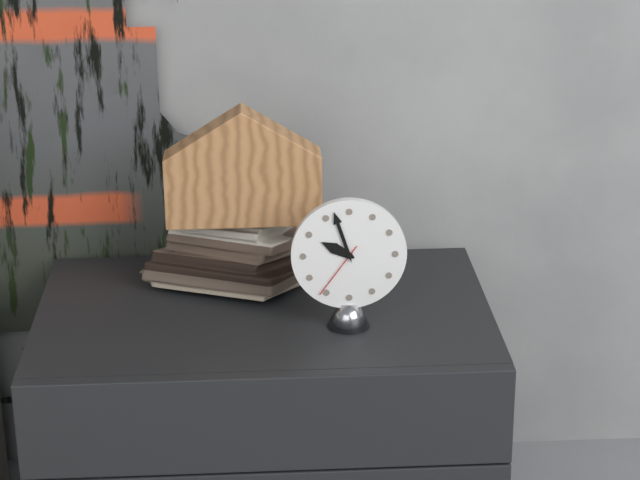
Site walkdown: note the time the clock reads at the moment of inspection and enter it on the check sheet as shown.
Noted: 9:57:36
